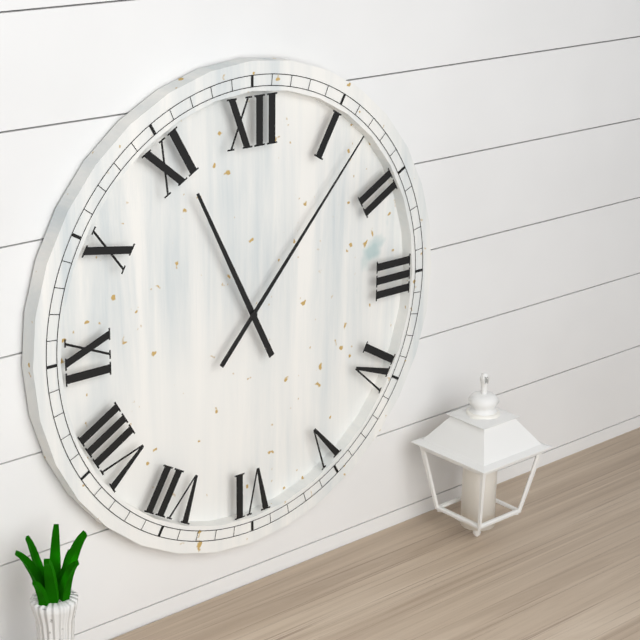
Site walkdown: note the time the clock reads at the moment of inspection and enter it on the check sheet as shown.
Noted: 11:07
